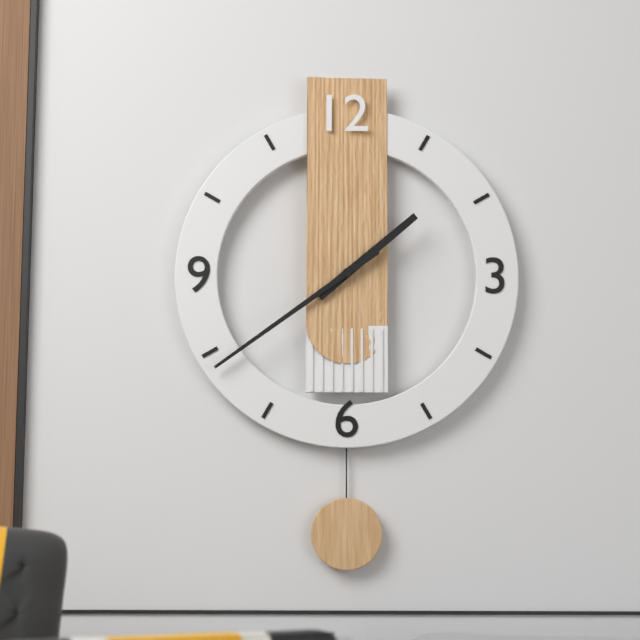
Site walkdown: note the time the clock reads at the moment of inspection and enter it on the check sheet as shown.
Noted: 1:39
